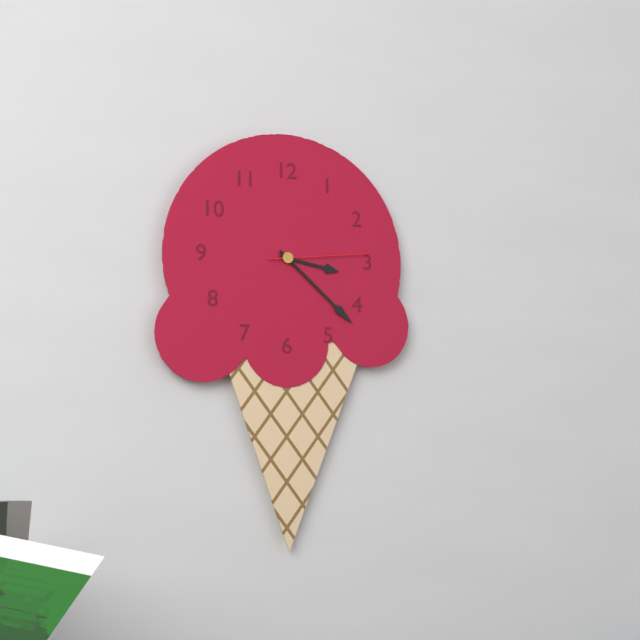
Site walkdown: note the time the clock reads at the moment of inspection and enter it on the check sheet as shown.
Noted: 3:22:14
